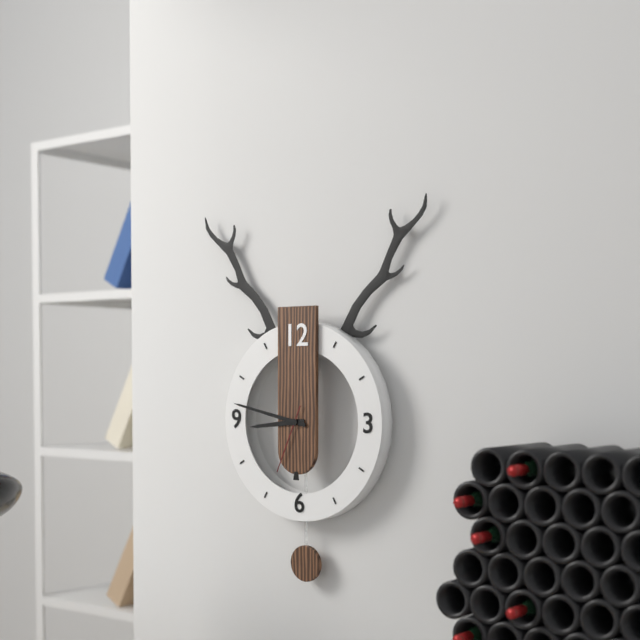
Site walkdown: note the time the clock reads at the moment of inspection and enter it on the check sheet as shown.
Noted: 8:47:34
